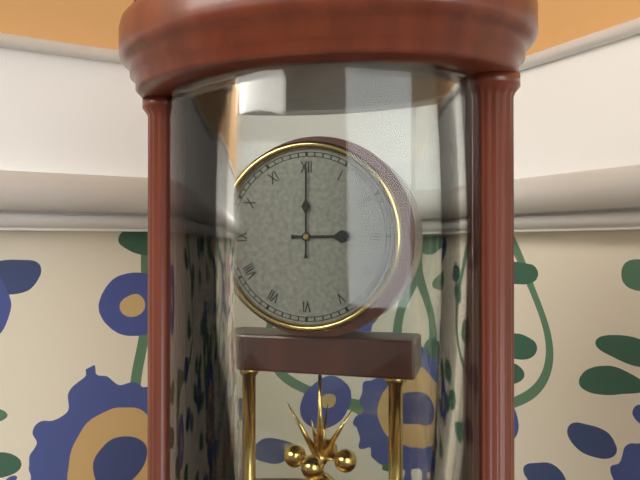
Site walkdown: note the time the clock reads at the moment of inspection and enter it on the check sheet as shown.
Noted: 3:00
